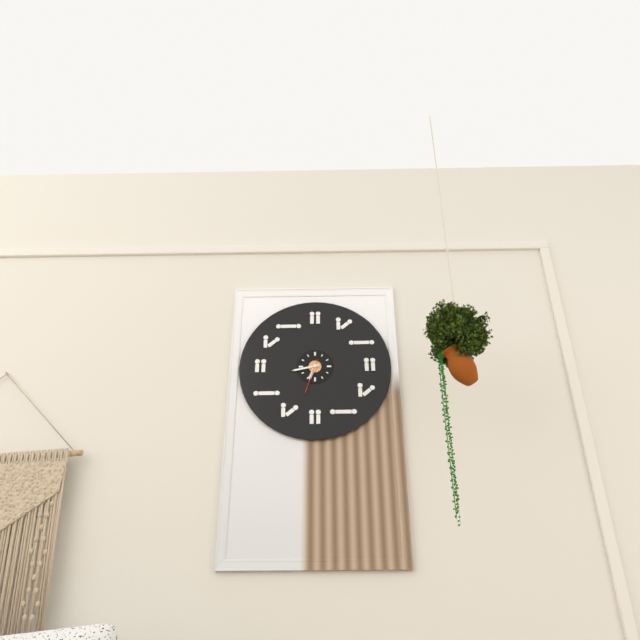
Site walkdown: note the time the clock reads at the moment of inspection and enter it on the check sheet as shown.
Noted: 6:43
